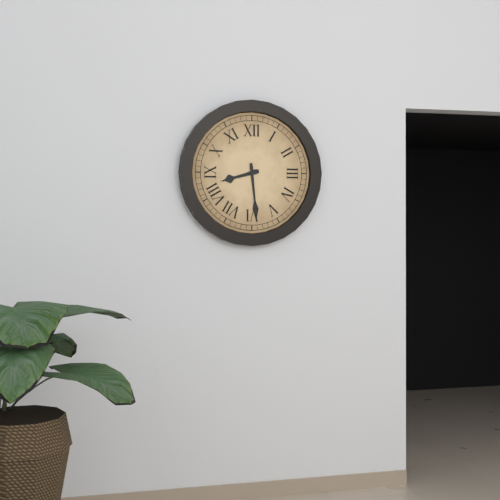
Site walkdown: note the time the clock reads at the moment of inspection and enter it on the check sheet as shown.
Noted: 8:29
